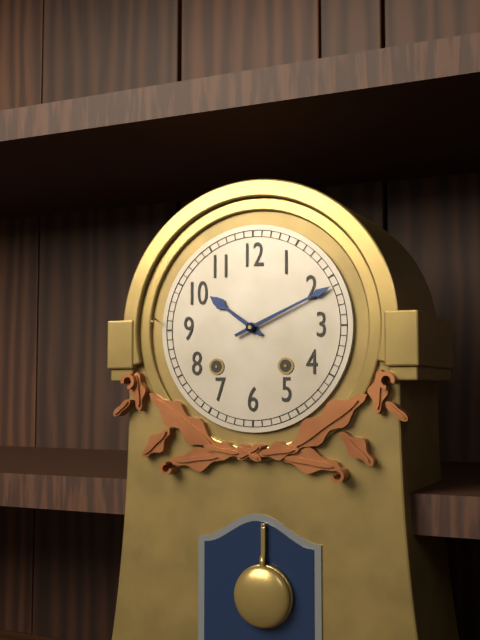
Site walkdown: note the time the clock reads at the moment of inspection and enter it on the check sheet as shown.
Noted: 10:11
